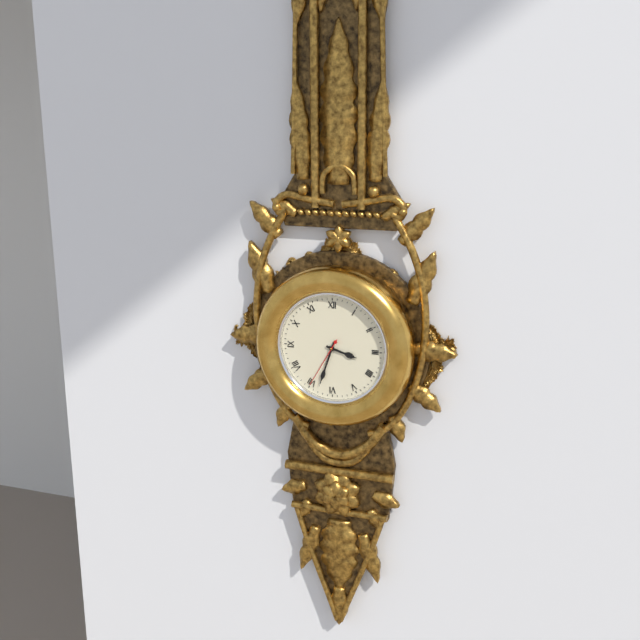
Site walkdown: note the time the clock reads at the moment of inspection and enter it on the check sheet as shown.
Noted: 3:33:35
